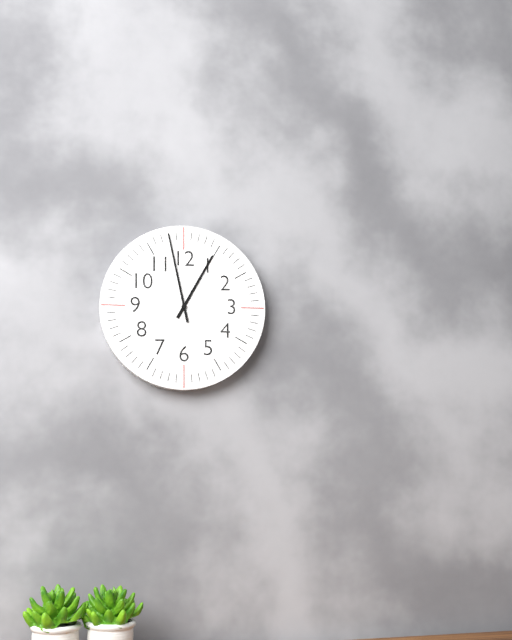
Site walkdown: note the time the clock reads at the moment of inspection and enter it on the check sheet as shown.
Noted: 12:58
